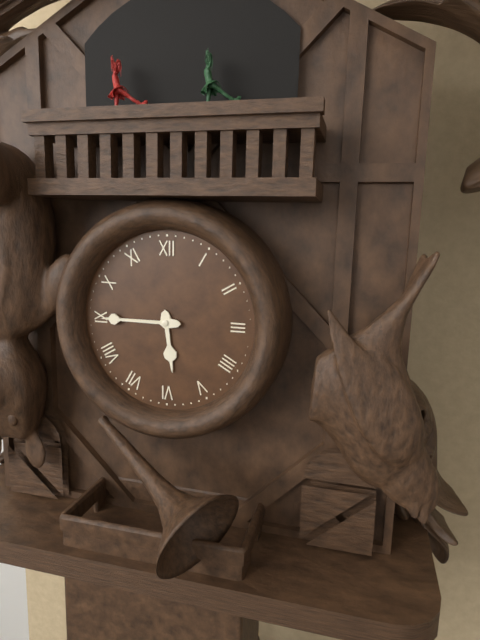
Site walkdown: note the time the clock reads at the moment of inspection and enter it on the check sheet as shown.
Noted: 5:45
